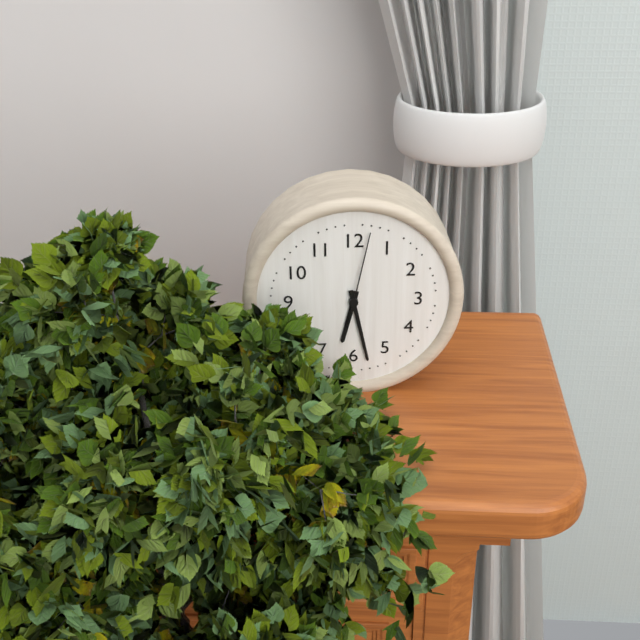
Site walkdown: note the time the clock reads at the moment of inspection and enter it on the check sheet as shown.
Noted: 6:28:02
